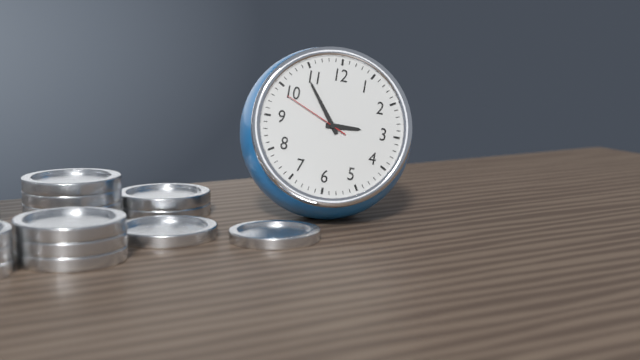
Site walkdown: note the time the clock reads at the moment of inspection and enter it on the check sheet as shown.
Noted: 2:54:49
